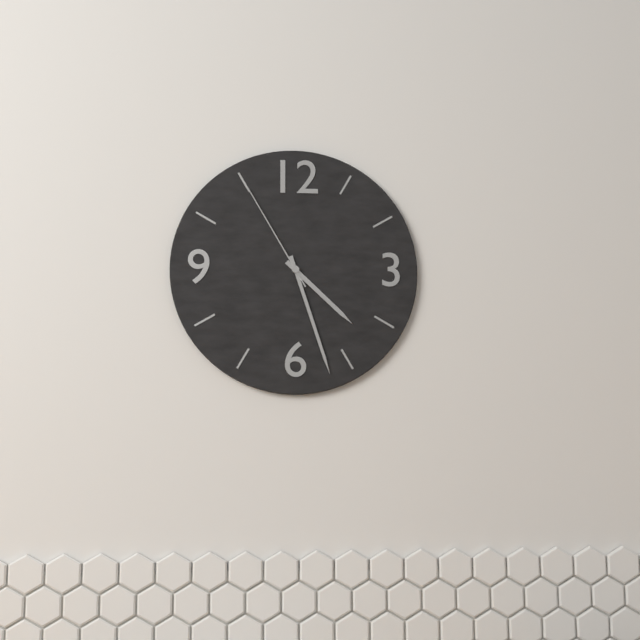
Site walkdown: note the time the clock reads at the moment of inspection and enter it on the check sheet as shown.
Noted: 4:27:55
